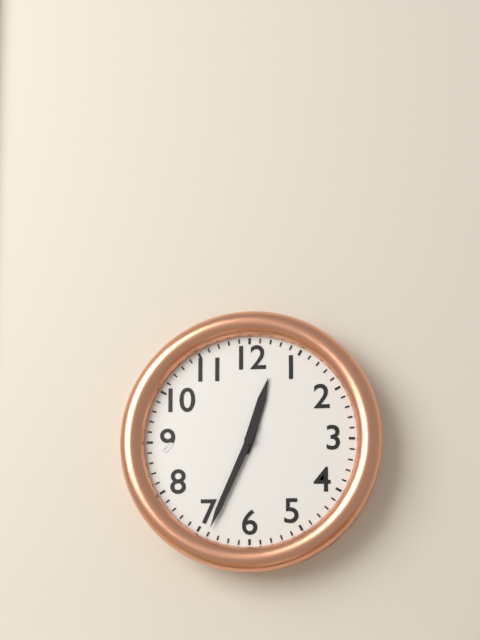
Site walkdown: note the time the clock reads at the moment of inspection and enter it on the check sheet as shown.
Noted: 12:34
